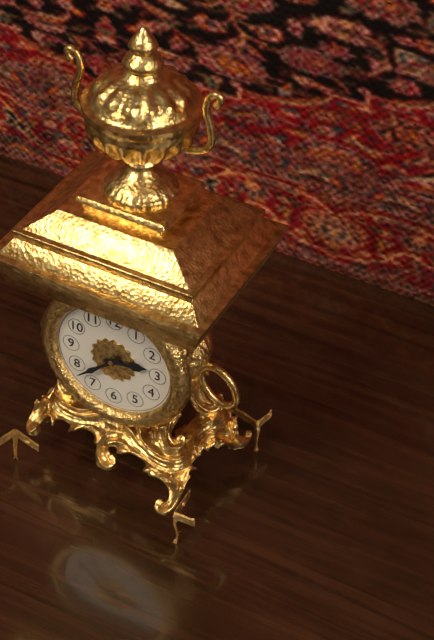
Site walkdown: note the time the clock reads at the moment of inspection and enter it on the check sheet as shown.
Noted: 2:38
